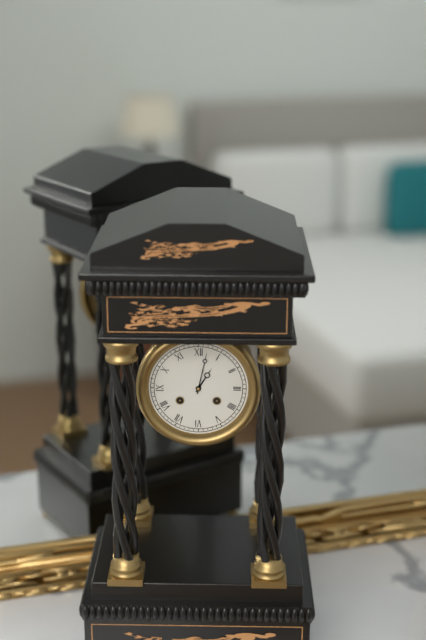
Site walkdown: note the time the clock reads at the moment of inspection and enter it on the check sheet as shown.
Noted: 1:02
